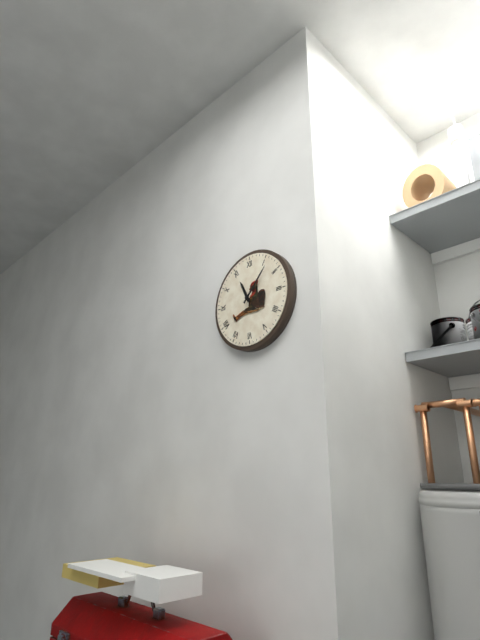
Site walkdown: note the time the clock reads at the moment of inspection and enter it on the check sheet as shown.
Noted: 11:07
